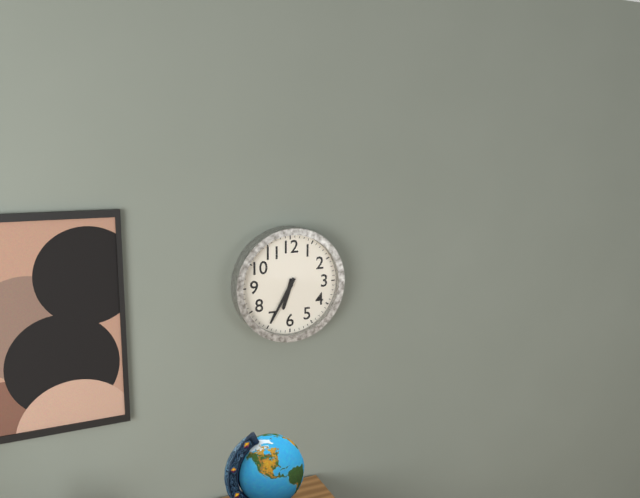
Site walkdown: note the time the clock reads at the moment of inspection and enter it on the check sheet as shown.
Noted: 6:35
